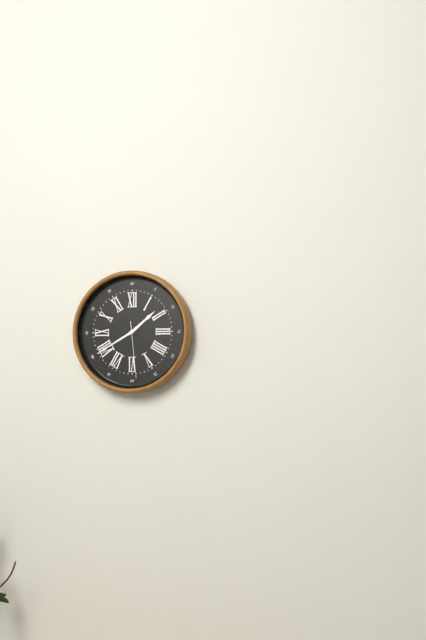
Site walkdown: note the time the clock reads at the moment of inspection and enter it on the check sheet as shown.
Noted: 1:40:29
